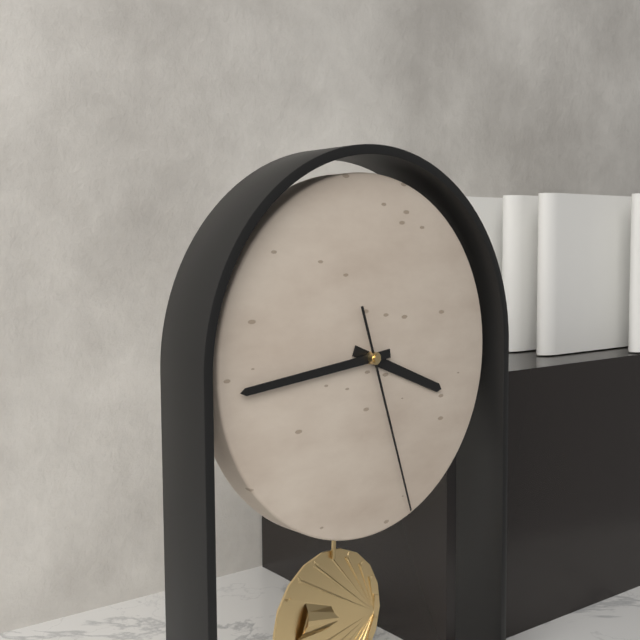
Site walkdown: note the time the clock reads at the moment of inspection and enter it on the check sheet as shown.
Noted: 3:44:27
